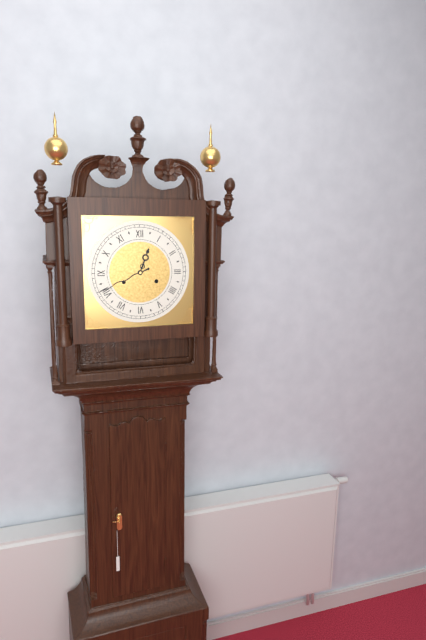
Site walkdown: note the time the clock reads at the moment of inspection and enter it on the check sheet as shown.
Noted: 12:41
